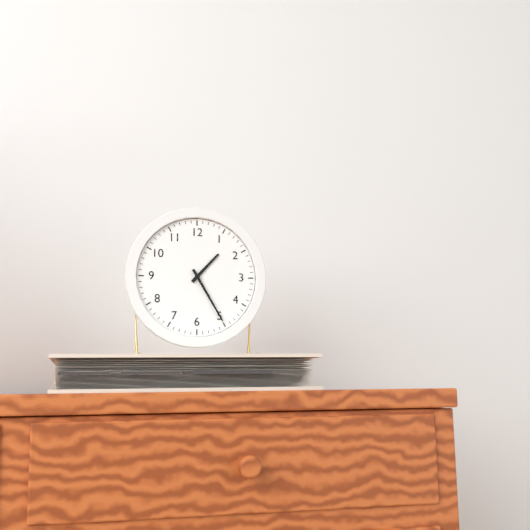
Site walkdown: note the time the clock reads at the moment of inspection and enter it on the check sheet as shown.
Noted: 1:25
